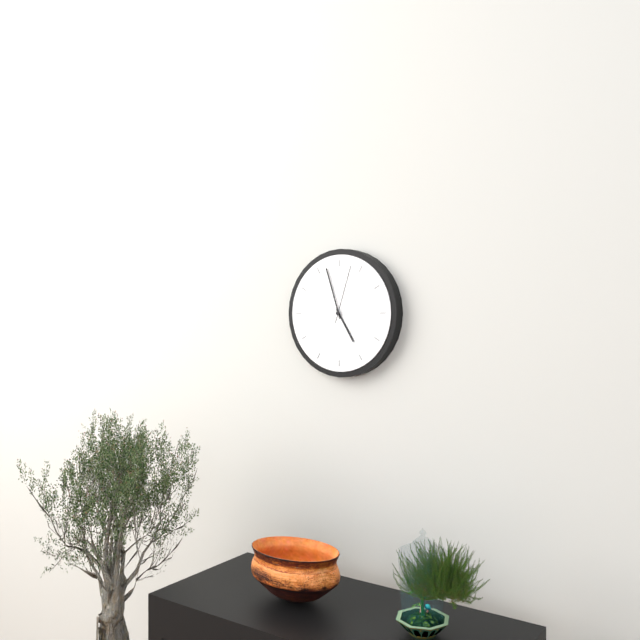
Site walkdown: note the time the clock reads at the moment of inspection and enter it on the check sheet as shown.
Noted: 4:57:03
